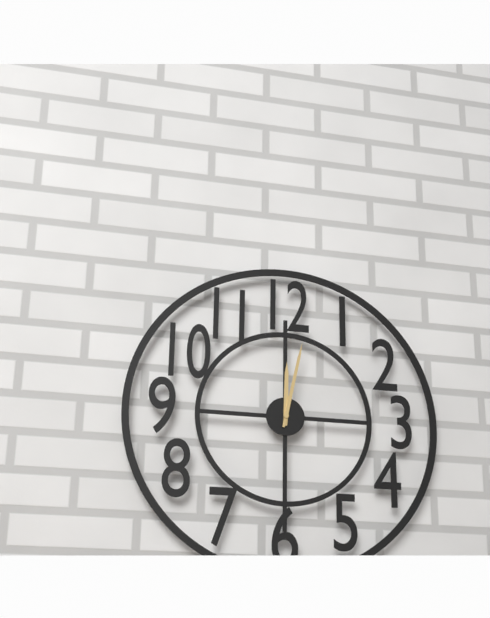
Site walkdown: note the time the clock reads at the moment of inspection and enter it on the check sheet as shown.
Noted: 12:02
